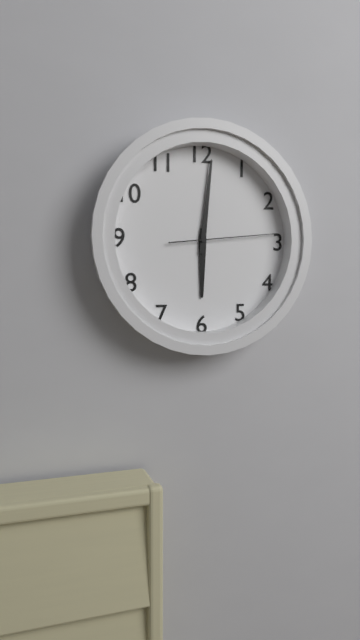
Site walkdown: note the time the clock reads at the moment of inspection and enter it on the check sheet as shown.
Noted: 6:01:14
